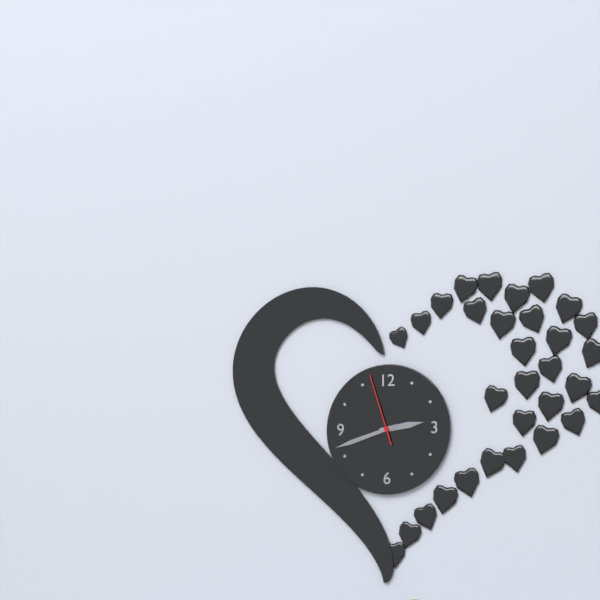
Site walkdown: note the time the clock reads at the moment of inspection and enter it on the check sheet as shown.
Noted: 2:42:57
